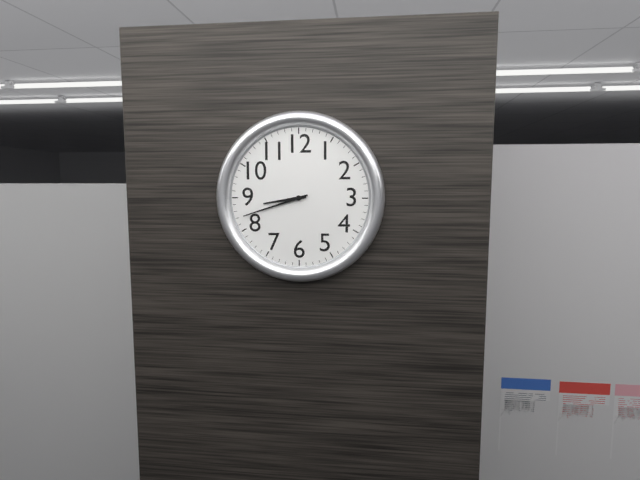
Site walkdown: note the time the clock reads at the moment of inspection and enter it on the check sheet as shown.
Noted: 8:42
